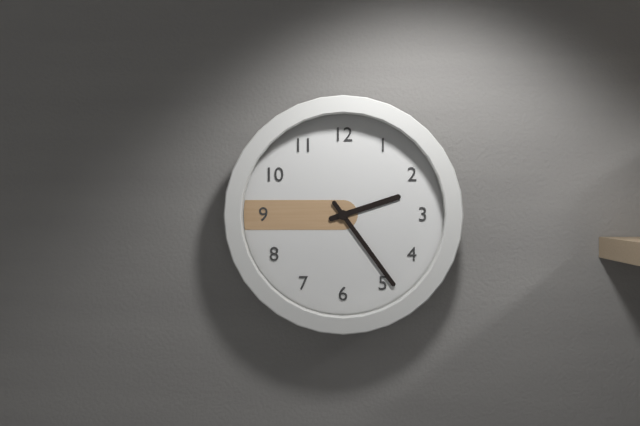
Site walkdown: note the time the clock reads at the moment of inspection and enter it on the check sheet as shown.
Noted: 2:24
